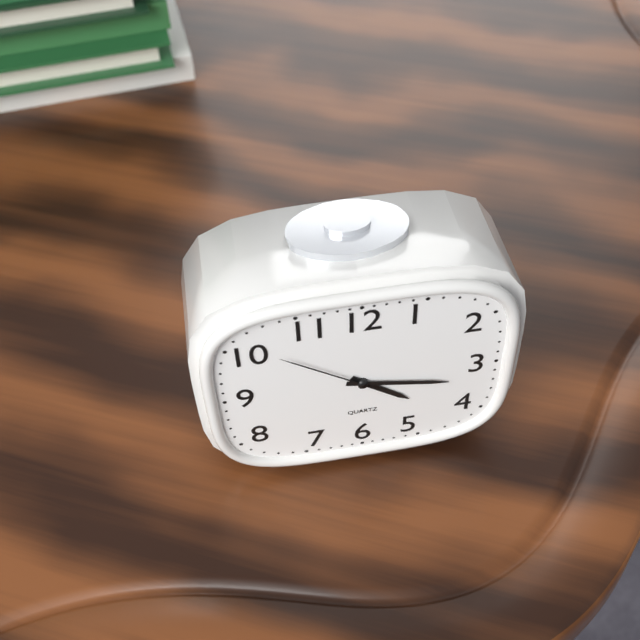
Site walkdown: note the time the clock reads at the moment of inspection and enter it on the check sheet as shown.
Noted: 4:17:51
